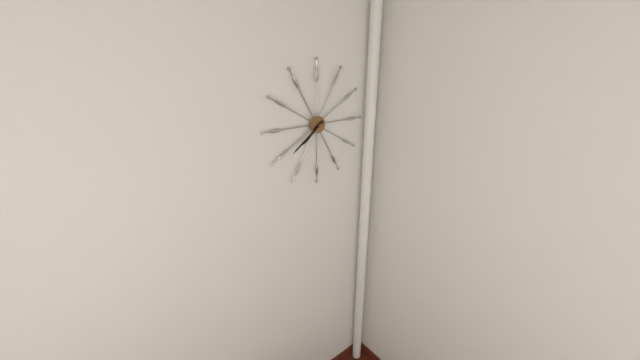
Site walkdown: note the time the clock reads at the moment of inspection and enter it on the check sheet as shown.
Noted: 7:39
